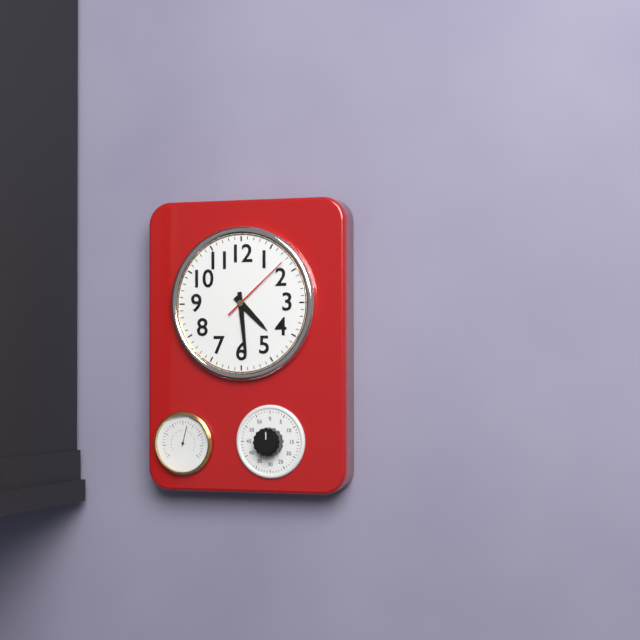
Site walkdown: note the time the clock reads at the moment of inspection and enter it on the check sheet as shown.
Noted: 4:29:08
